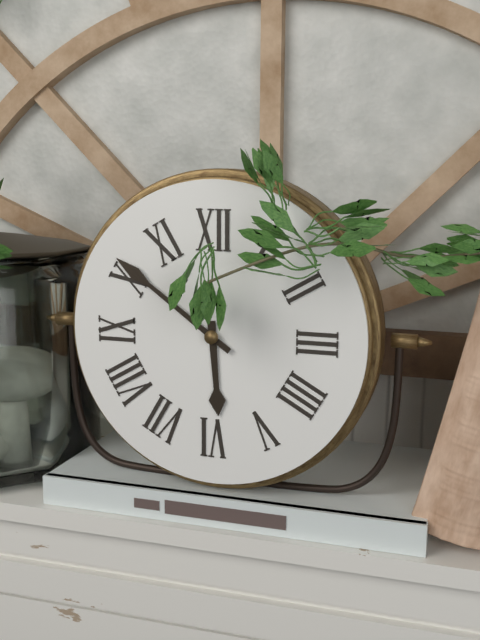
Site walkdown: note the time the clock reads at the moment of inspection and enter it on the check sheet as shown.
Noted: 5:51
